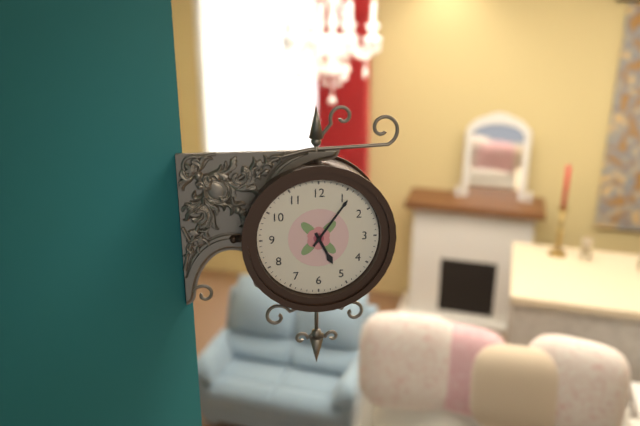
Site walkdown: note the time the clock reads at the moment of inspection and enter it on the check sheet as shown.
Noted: 5:06
